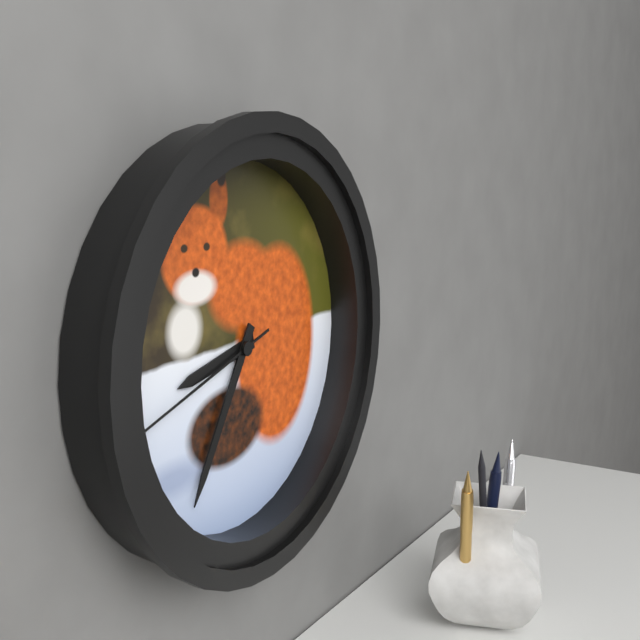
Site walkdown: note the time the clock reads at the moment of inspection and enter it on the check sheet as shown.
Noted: 8:35:42
